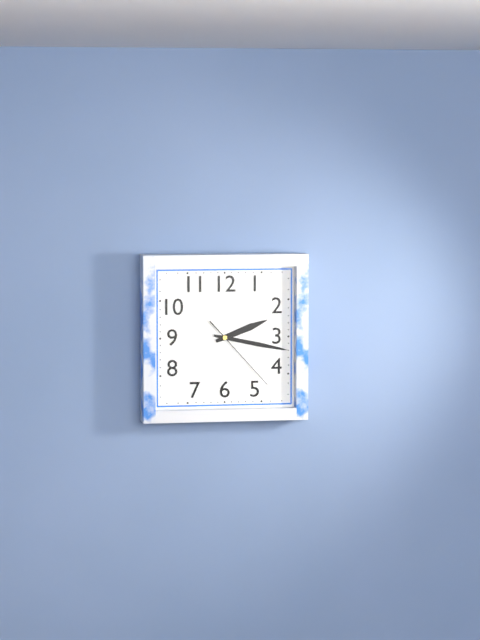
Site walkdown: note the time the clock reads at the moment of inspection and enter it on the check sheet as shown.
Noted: 2:17:23
